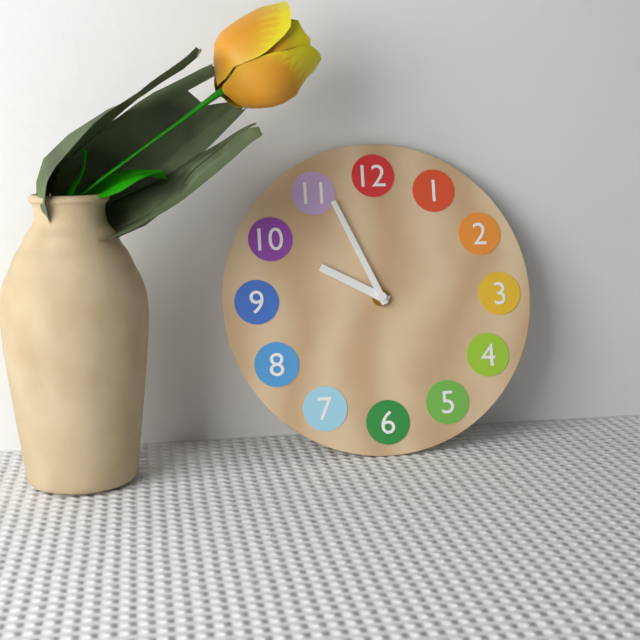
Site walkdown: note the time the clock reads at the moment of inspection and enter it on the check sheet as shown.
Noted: 9:56
